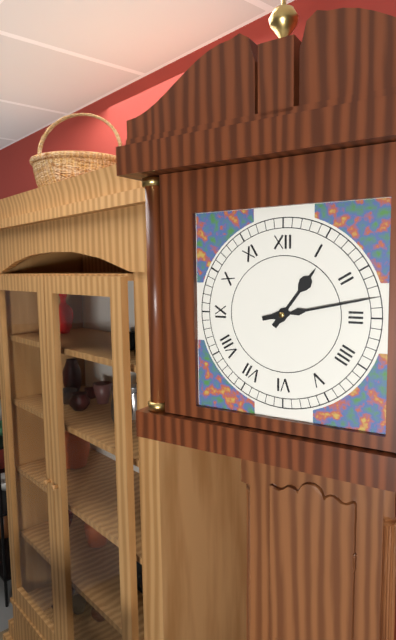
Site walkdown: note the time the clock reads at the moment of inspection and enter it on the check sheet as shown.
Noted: 1:13
